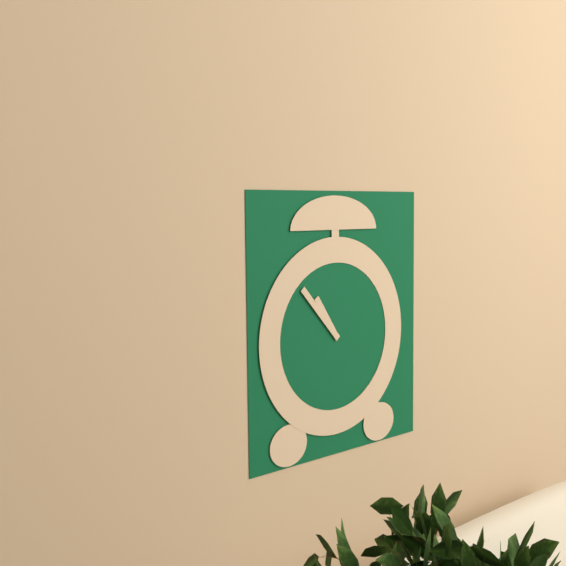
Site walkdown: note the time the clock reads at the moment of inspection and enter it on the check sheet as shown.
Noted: 10:53
